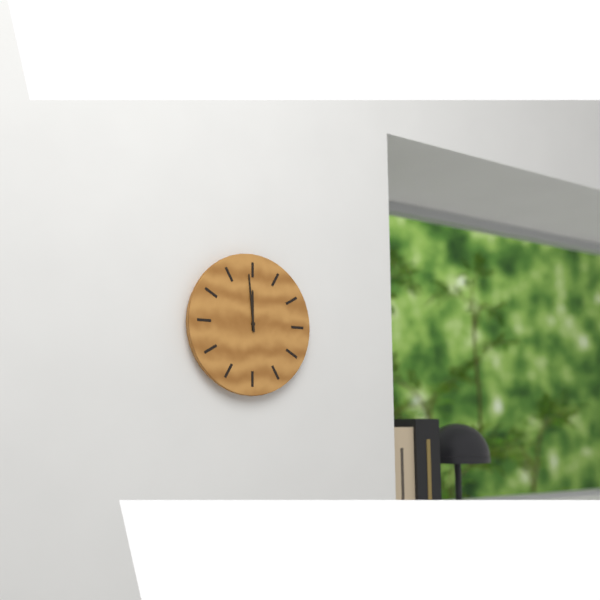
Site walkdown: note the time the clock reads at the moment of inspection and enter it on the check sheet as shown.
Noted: 11:59
